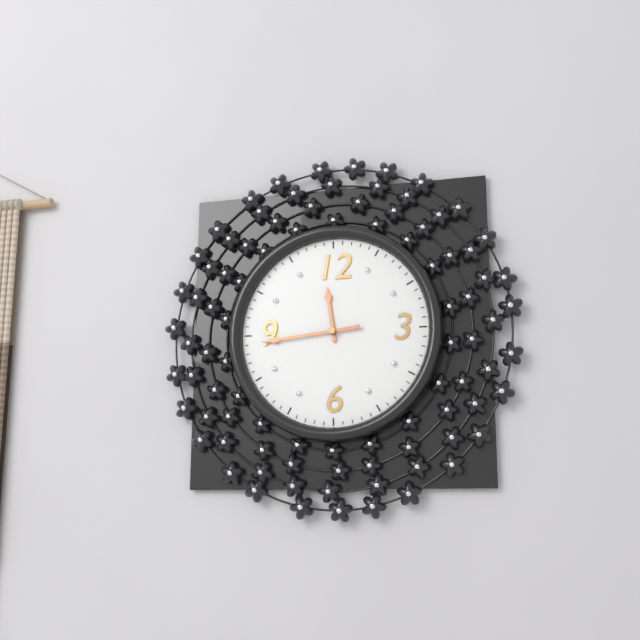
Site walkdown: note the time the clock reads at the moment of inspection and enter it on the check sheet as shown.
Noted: 11:44
